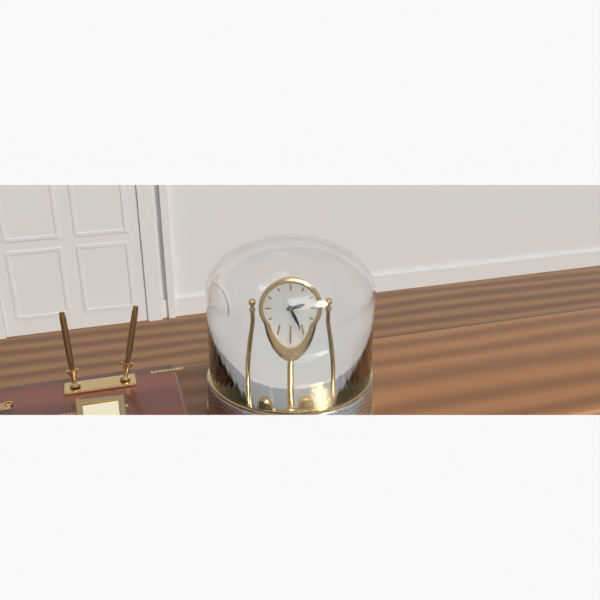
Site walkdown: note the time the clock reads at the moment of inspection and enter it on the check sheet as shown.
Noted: 2:26
